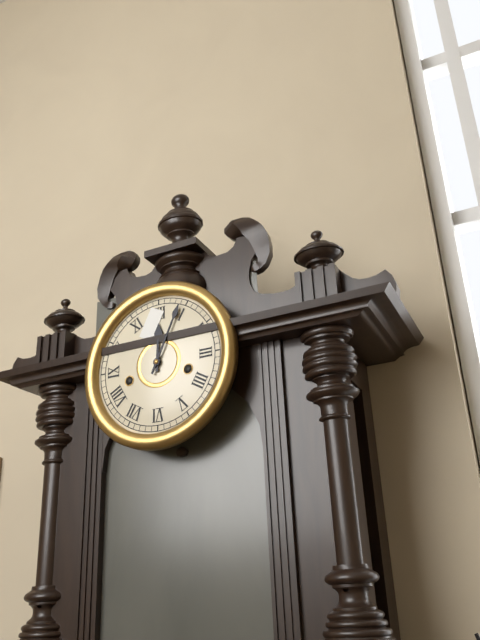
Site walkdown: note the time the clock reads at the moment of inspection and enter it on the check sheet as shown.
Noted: 12:04
